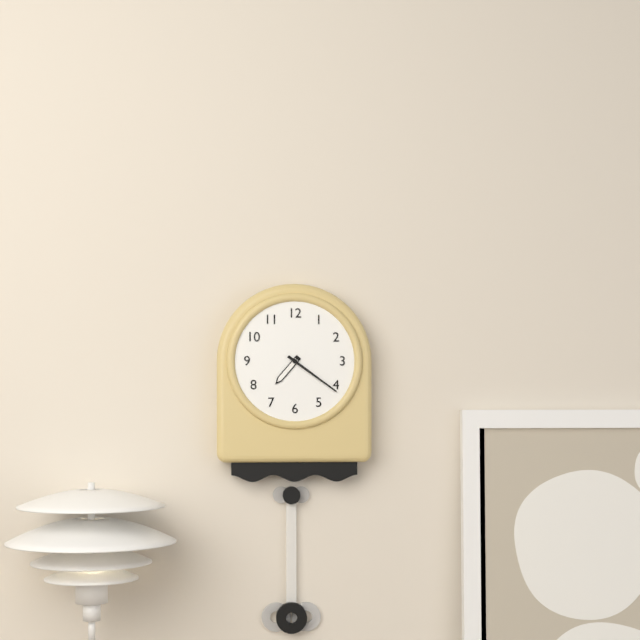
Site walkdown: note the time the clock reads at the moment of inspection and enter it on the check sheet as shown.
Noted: 7:21
